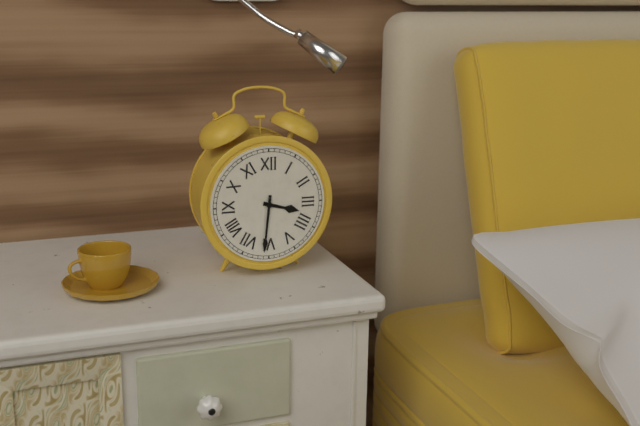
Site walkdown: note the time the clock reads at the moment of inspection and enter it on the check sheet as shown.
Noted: 3:31
